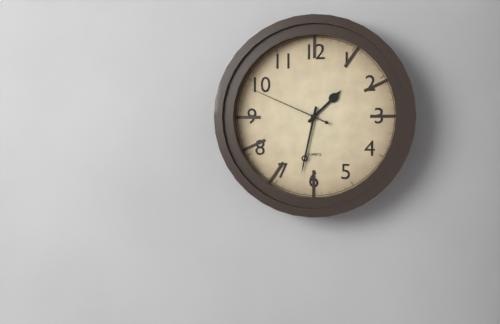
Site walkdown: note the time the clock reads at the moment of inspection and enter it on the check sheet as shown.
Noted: 1:32:49
